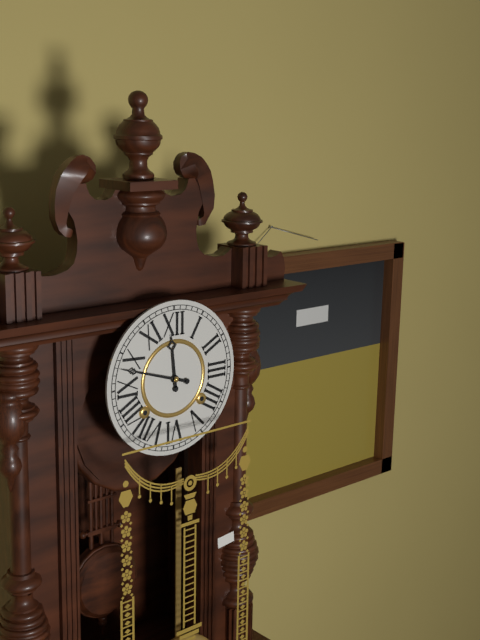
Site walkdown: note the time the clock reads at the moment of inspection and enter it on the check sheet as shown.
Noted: 11:48
